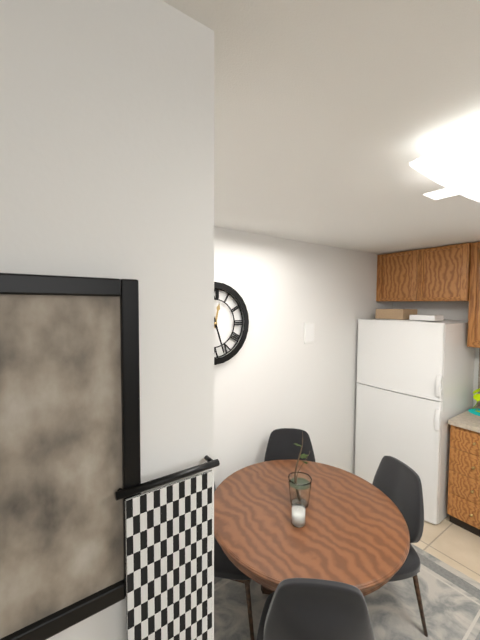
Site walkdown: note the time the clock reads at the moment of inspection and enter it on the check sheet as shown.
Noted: 12:27
